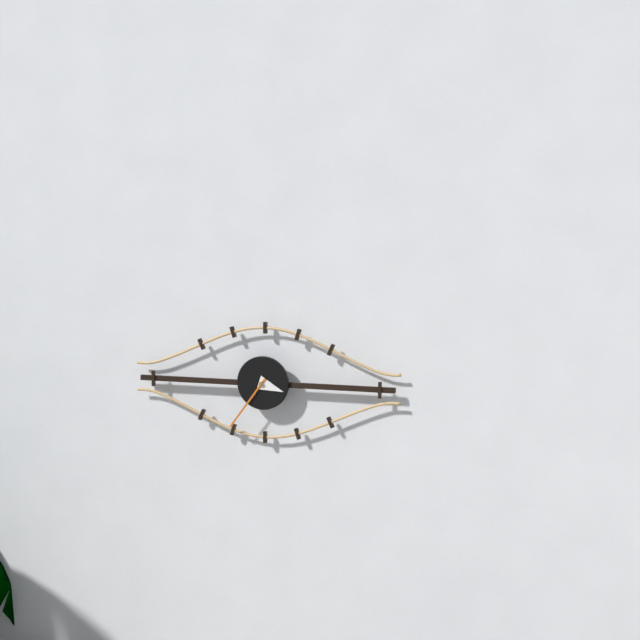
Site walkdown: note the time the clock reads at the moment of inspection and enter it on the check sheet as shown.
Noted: 3:36
